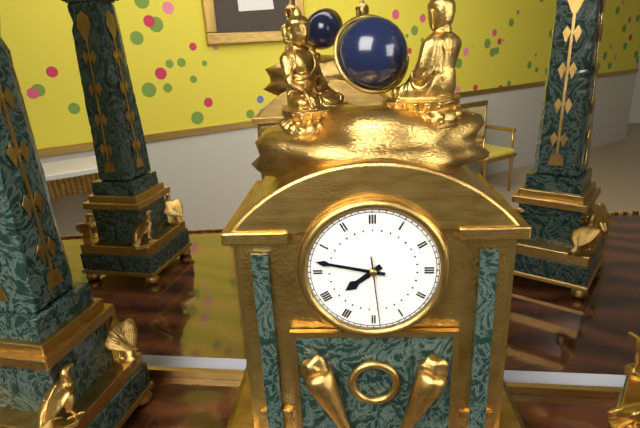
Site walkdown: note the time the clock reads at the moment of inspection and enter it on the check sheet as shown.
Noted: 7:47:29
